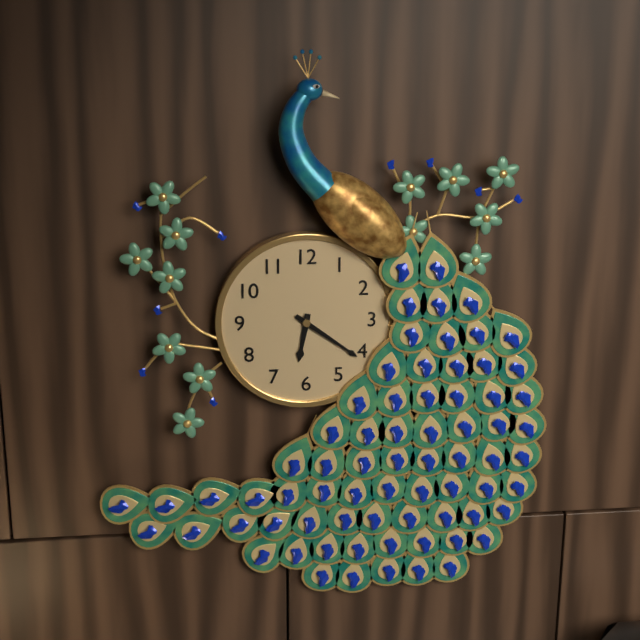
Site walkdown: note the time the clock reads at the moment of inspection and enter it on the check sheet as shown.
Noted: 6:21
